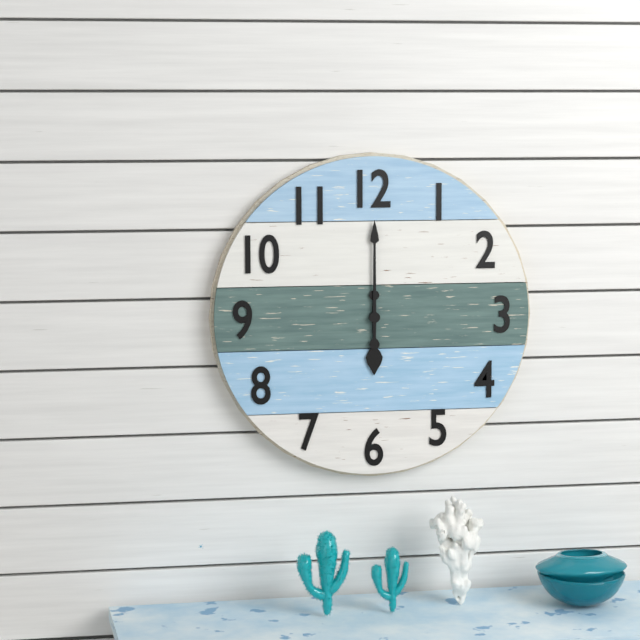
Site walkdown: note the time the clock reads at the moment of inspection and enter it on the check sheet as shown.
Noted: 6:00
